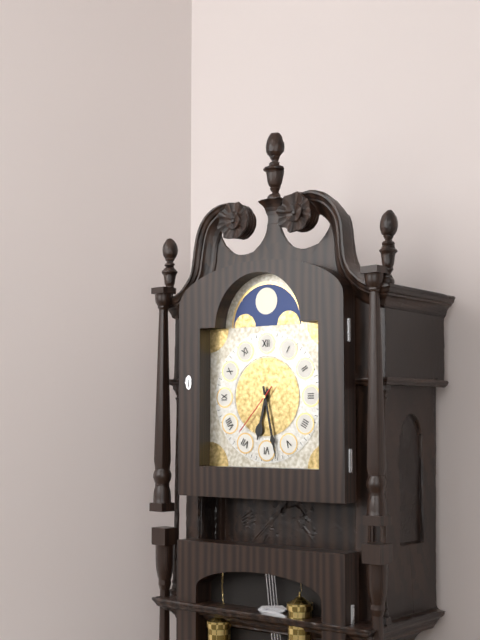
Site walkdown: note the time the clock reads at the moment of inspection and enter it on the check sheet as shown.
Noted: 6:28:37
